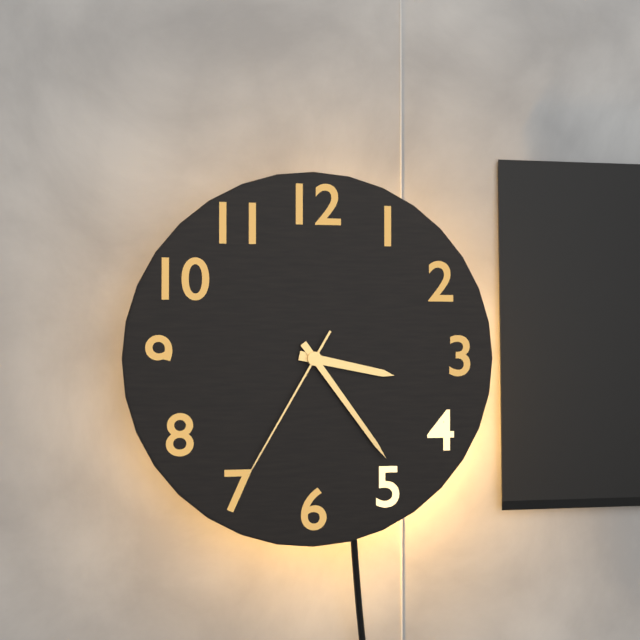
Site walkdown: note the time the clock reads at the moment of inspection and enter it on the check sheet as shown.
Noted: 3:24:35
